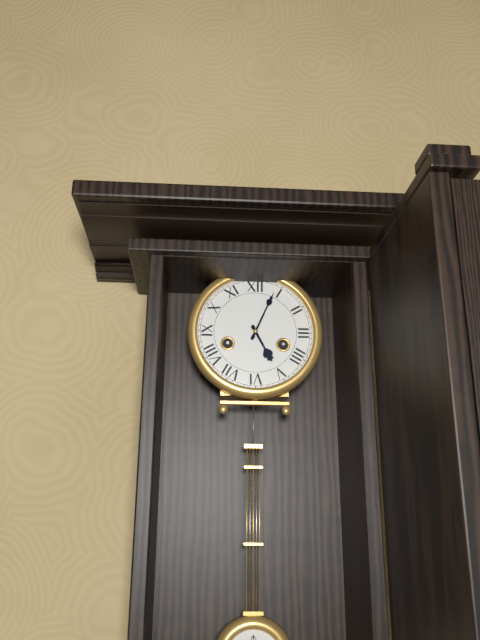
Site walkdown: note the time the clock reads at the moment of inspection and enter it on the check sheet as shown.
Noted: 5:04
